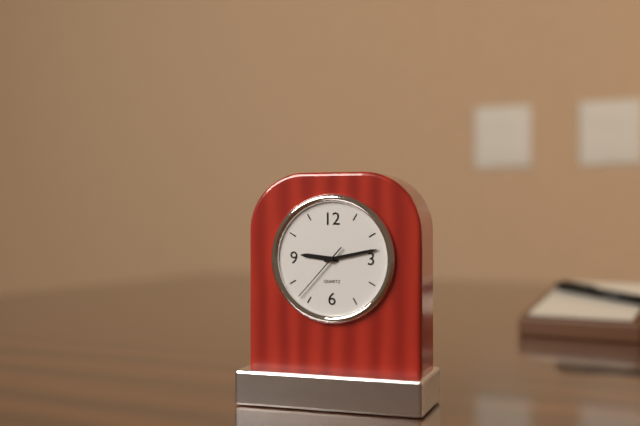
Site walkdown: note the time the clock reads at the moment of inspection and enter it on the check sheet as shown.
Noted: 9:13:37
